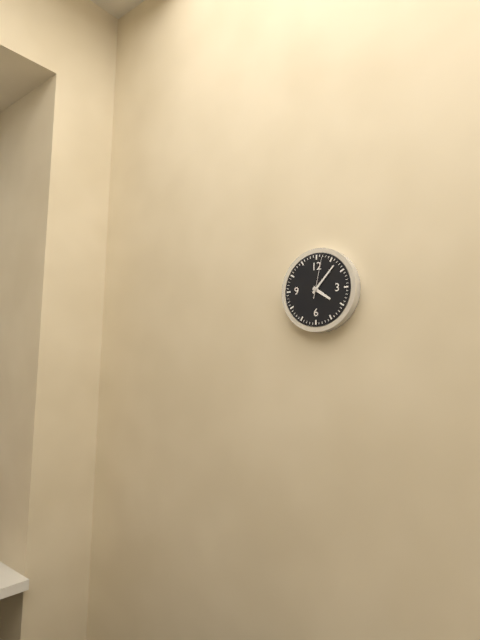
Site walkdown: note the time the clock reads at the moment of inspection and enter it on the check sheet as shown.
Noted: 4:07
